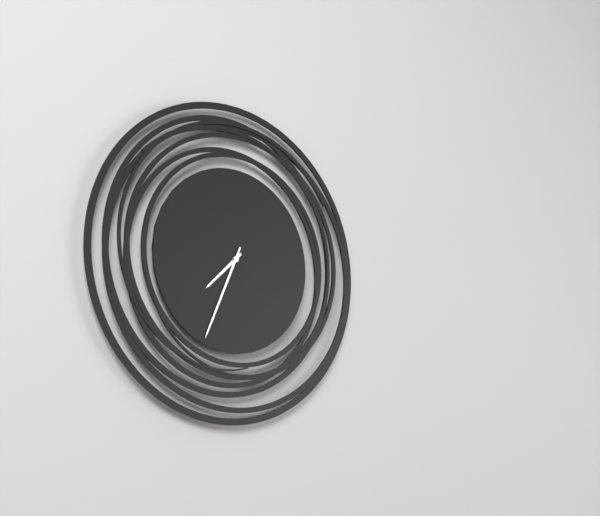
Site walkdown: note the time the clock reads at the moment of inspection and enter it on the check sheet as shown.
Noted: 7:34
